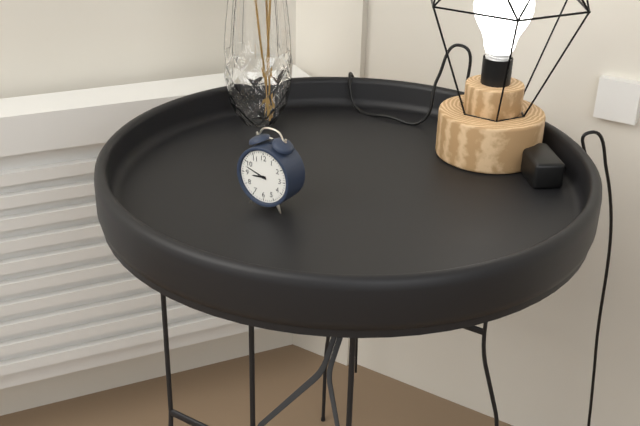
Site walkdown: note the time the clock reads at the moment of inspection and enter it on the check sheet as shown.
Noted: 8:48
